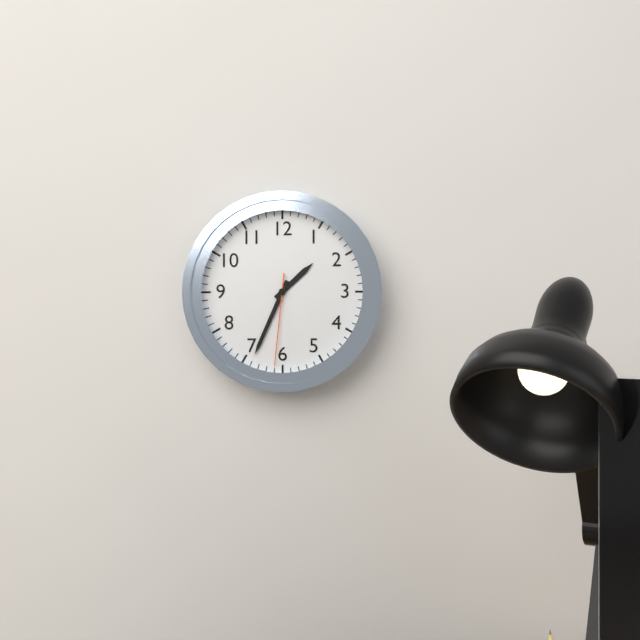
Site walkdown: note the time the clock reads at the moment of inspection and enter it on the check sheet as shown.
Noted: 1:34:31
